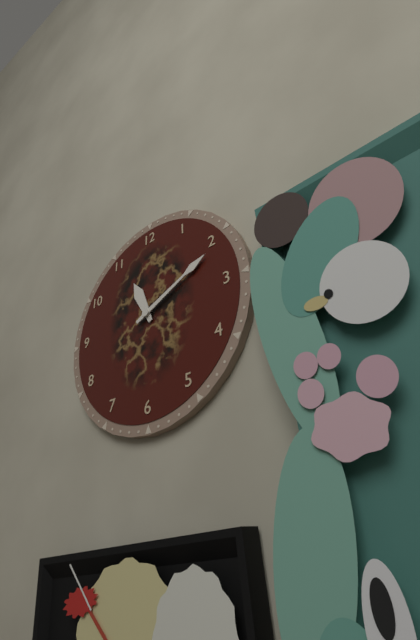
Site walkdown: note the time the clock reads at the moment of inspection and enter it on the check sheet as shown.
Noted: 11:11
